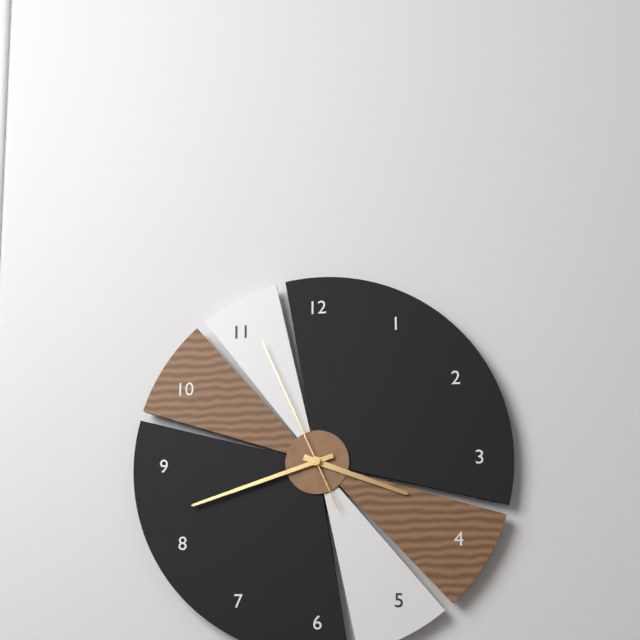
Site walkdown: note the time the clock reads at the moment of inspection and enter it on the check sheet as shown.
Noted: 3:42:56
